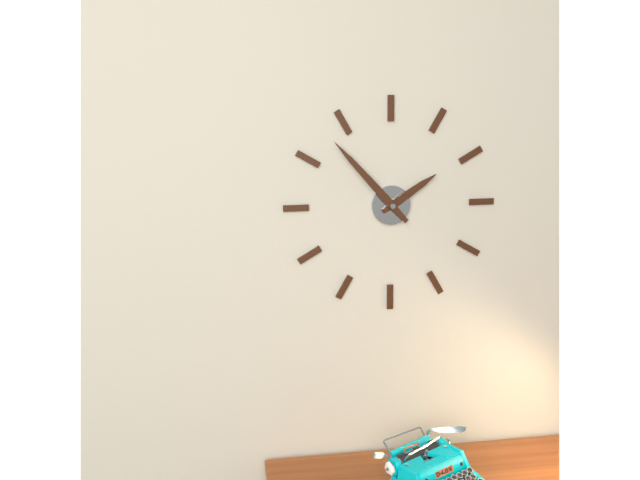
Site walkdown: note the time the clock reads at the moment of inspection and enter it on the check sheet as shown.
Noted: 1:53
